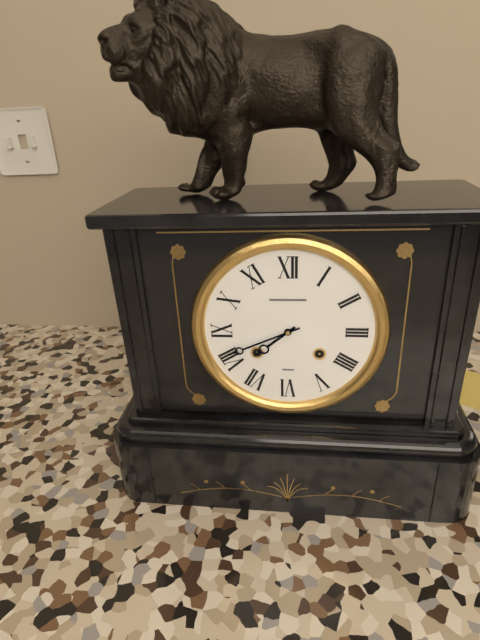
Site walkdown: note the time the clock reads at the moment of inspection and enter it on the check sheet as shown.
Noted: 7:41
